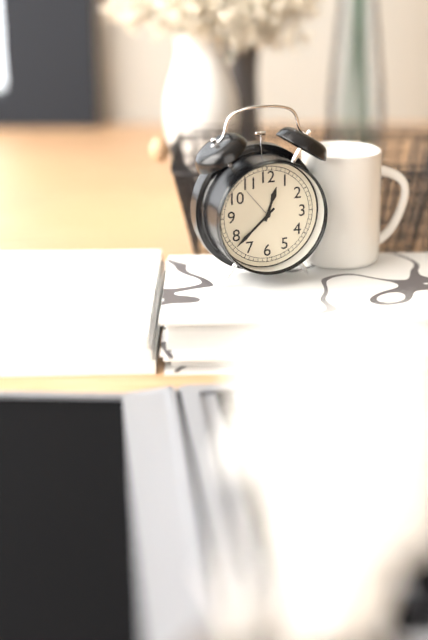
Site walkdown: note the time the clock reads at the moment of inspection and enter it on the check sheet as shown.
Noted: 12:38
